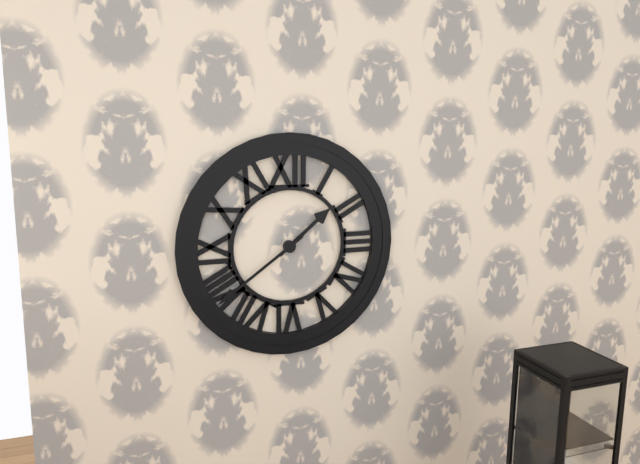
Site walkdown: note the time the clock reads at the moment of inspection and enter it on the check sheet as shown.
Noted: 1:39
